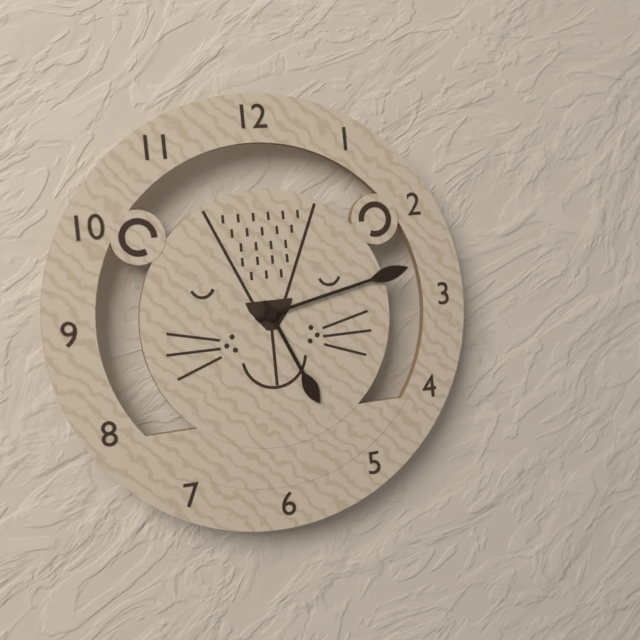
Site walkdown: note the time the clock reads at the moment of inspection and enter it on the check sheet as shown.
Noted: 5:13
